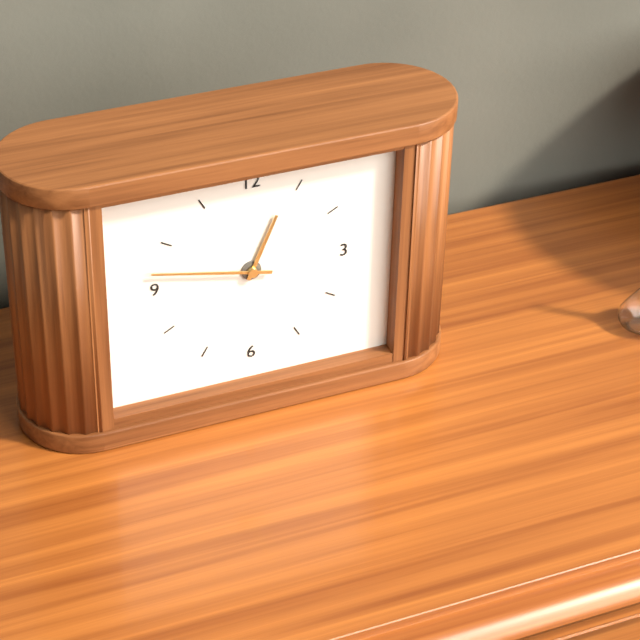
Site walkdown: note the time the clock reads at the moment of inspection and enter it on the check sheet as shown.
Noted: 12:47
